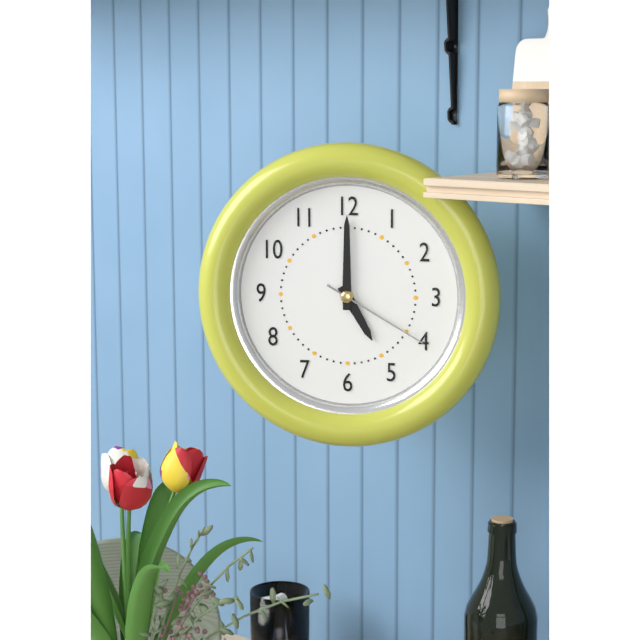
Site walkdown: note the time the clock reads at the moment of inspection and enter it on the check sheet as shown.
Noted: 5:00:20
